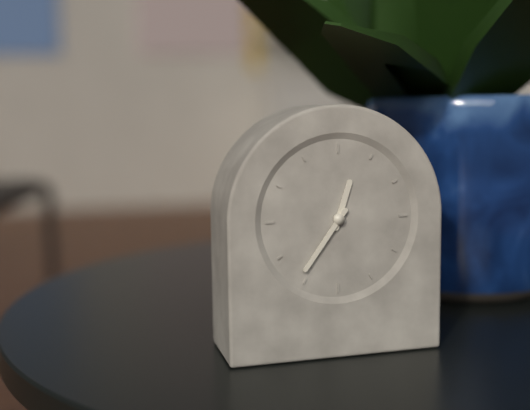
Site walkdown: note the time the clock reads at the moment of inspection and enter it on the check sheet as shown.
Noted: 12:36
